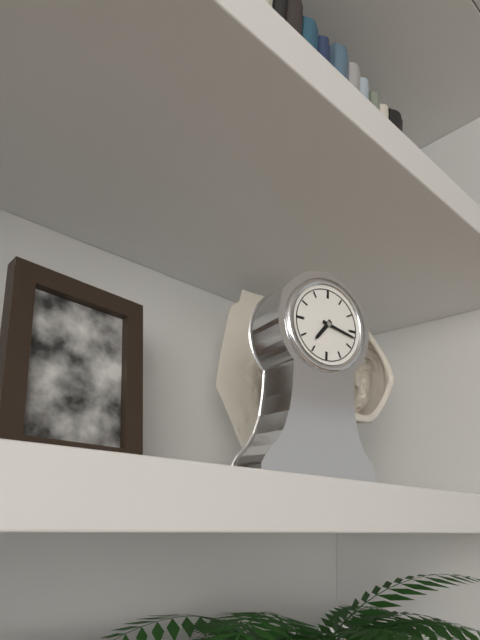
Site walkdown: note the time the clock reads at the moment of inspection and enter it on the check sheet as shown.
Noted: 7:17
